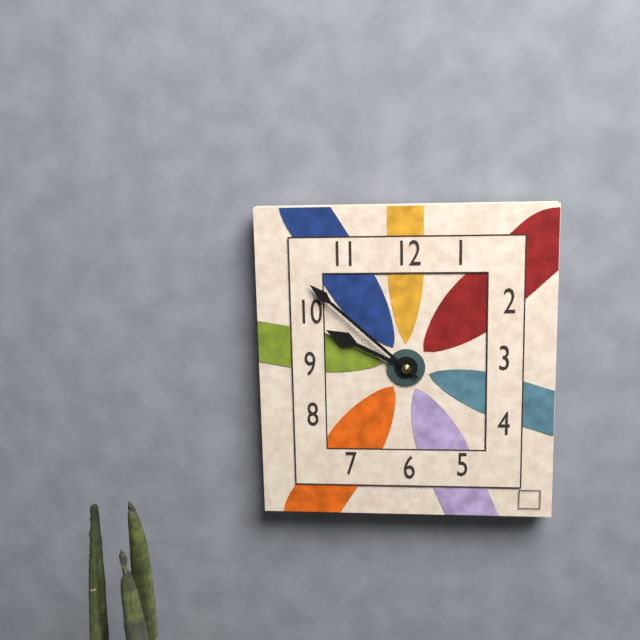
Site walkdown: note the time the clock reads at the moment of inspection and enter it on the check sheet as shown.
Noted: 9:52
